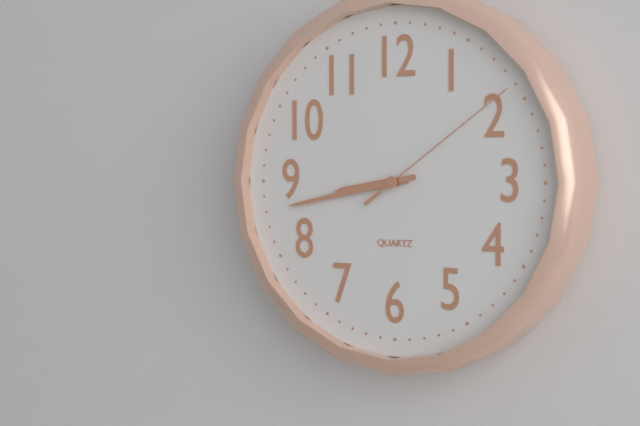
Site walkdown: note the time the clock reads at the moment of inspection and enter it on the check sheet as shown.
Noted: 8:43:09
